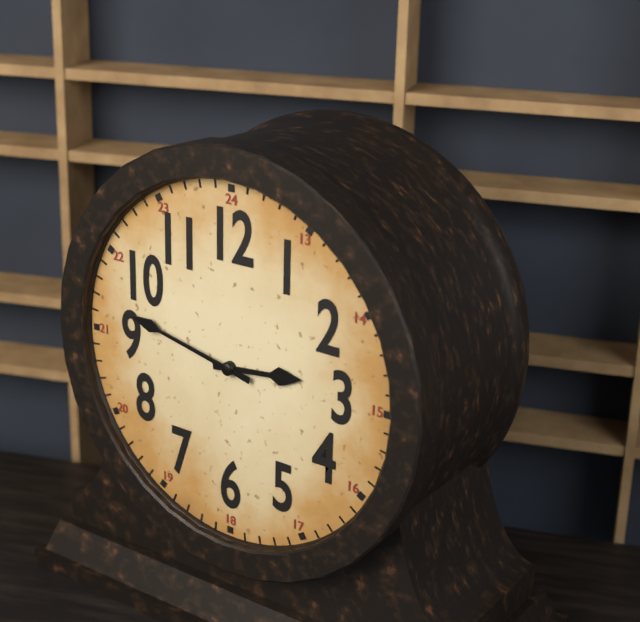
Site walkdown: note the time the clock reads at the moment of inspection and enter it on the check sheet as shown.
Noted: 2:47
